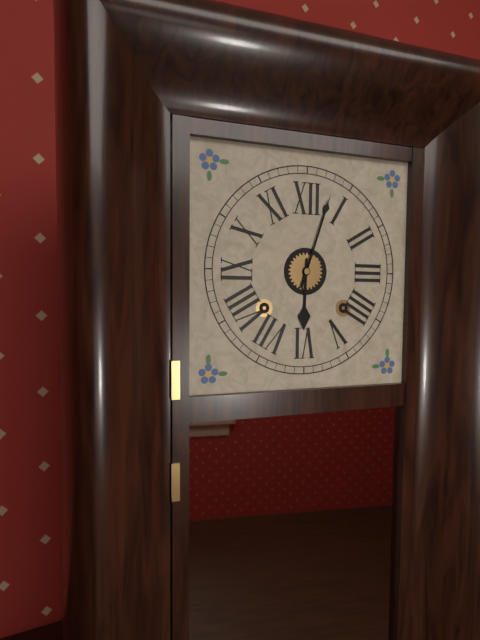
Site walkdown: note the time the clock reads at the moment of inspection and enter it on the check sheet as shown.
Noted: 6:03
